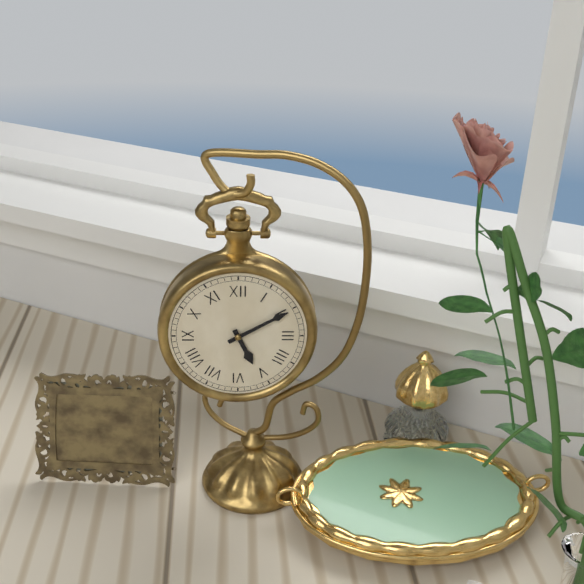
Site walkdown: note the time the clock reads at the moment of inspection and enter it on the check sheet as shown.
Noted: 5:10
